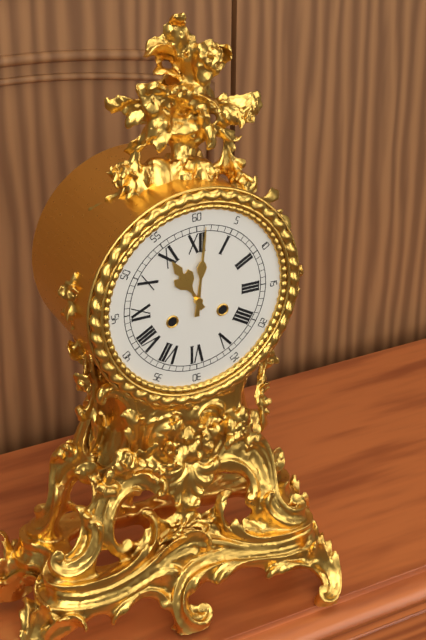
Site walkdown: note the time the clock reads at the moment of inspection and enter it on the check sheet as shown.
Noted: 11:01
